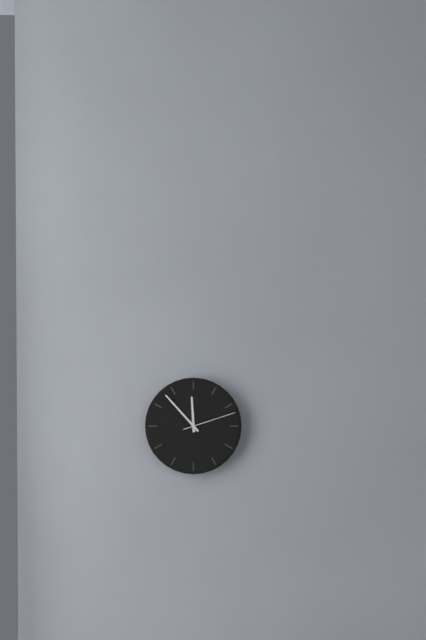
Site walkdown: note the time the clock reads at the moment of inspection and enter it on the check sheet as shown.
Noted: 11:53:12
